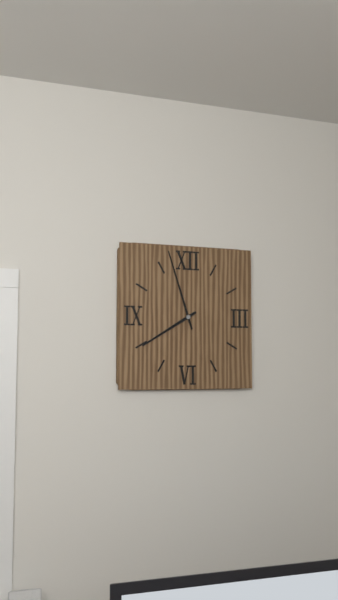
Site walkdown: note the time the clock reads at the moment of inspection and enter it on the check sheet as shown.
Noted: 7:57
